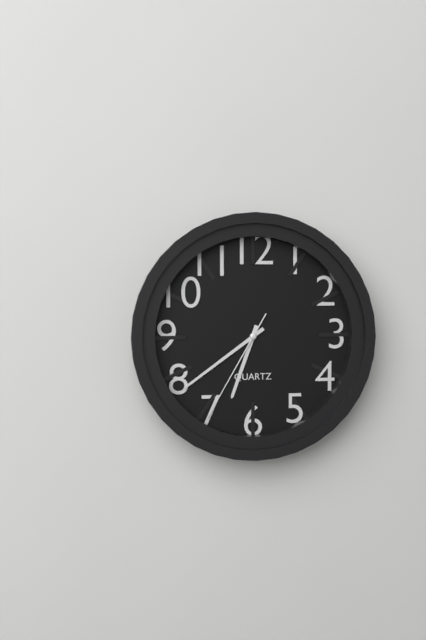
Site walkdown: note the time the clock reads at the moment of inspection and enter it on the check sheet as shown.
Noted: 6:39:35
